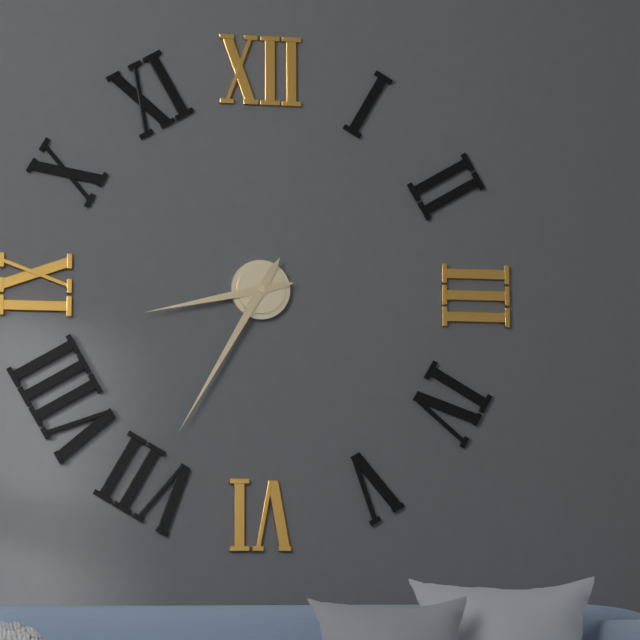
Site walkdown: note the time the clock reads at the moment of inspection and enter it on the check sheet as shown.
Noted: 8:35
